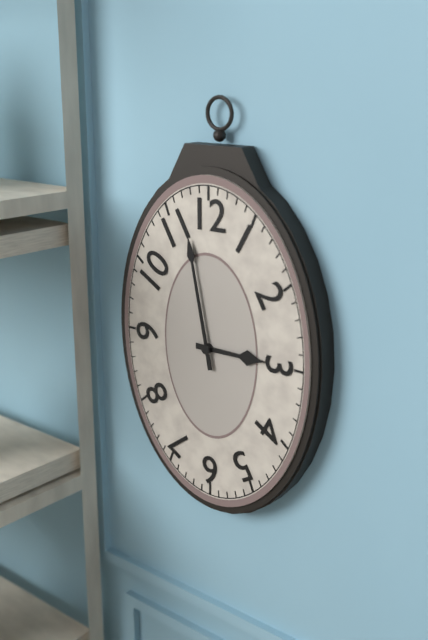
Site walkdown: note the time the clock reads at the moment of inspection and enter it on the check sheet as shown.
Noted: 2:58
